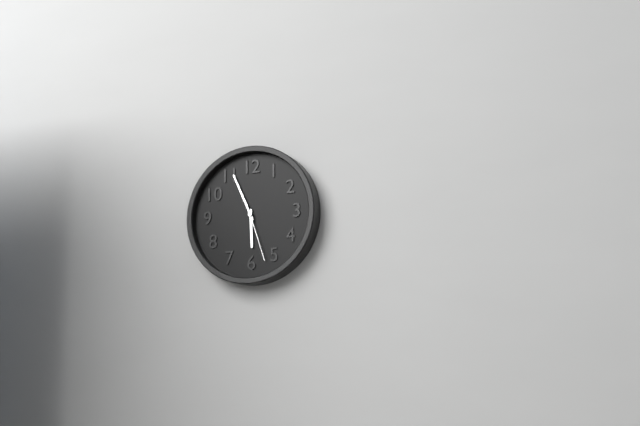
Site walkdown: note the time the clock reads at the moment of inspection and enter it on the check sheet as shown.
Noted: 5:56:27
